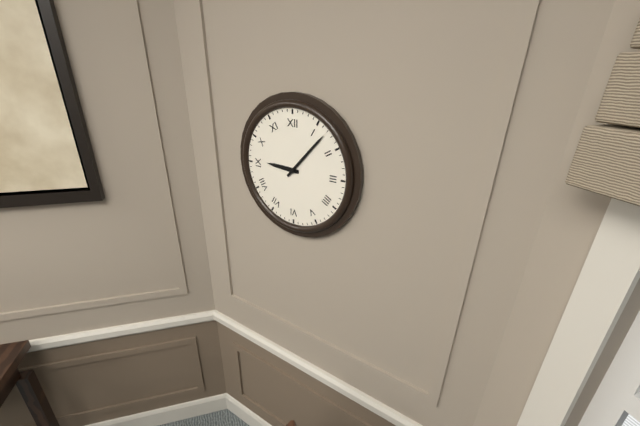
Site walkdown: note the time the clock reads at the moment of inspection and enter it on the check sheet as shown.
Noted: 9:07
